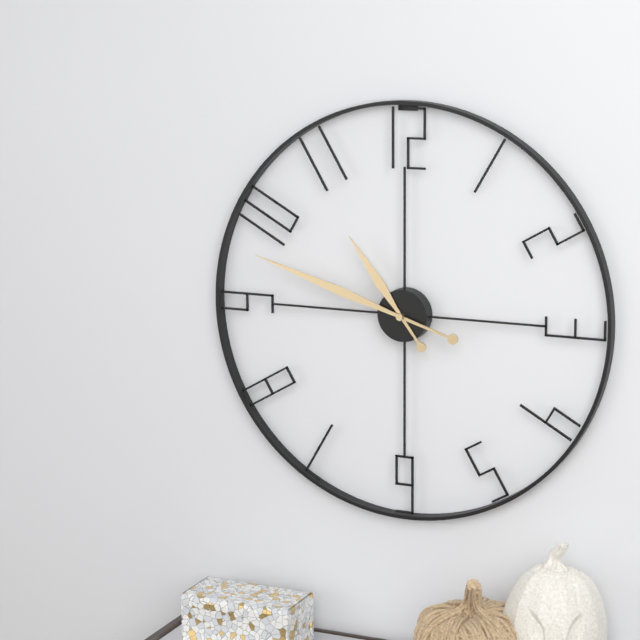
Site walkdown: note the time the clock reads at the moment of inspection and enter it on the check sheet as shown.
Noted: 10:48
